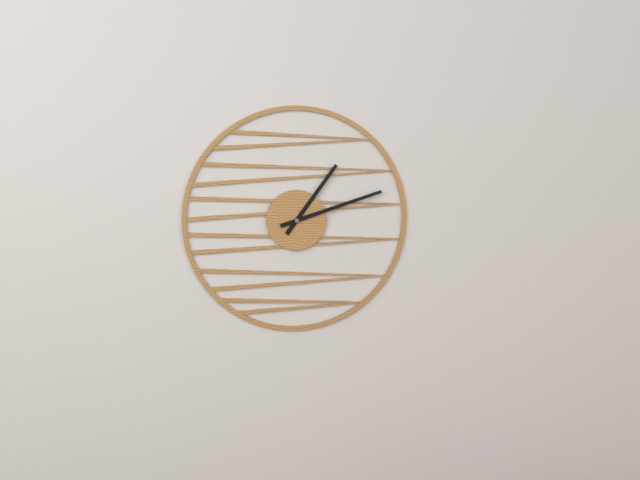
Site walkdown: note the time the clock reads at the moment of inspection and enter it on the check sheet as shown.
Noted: 1:12
